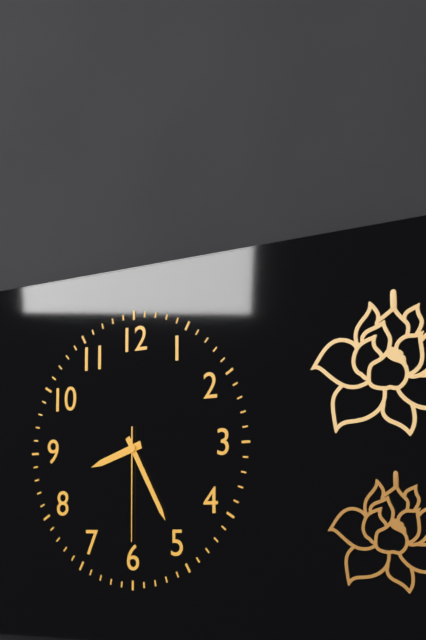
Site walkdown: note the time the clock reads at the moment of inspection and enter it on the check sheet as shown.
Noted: 8:25:30
